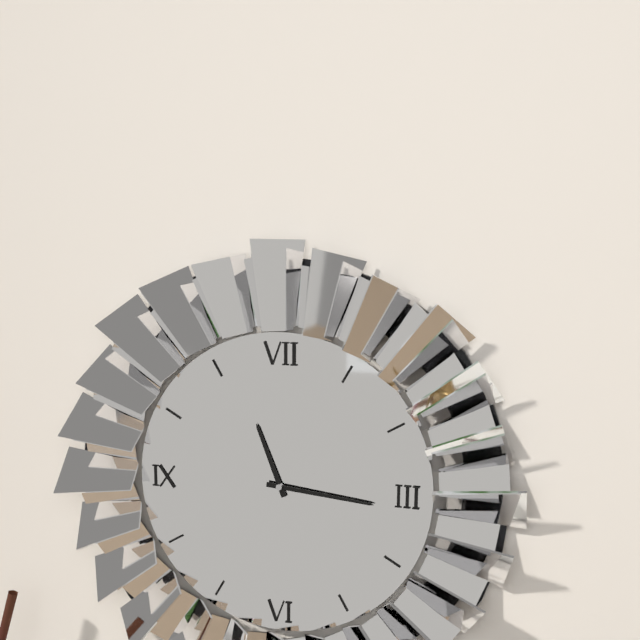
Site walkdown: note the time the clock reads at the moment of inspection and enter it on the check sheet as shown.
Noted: 11:16
